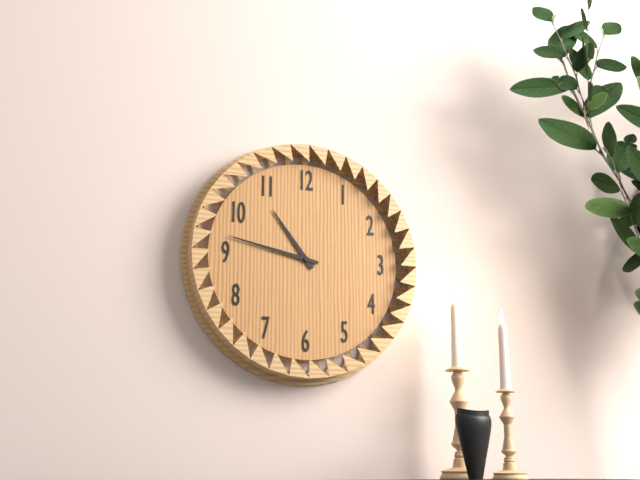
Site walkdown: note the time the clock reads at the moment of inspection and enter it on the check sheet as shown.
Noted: 10:47
